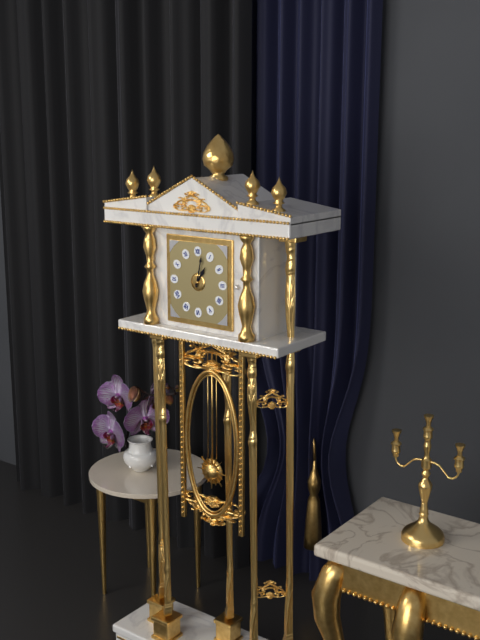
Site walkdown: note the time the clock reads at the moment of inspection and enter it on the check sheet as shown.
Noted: 1:02
